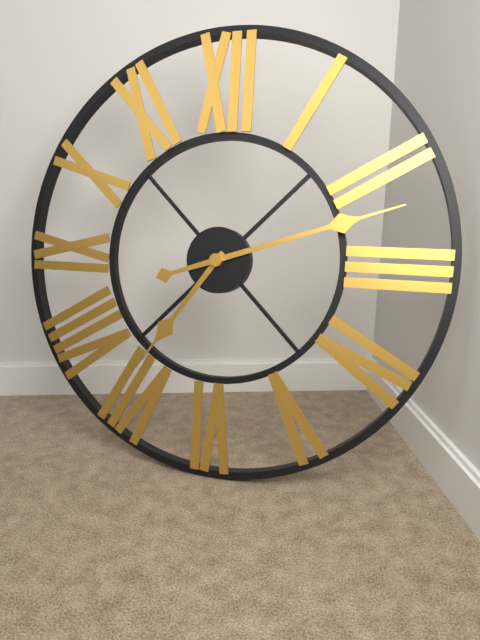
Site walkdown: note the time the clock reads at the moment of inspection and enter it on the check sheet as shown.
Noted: 7:12
